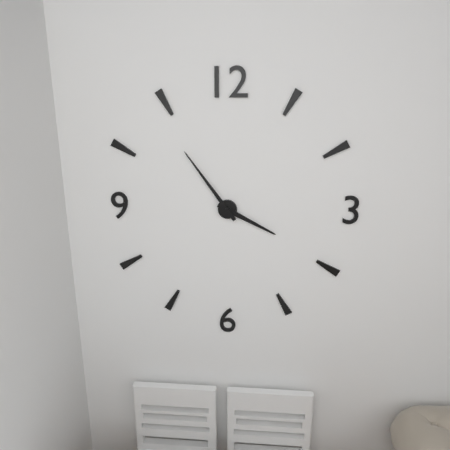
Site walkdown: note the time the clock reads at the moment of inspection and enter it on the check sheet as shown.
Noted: 3:54
